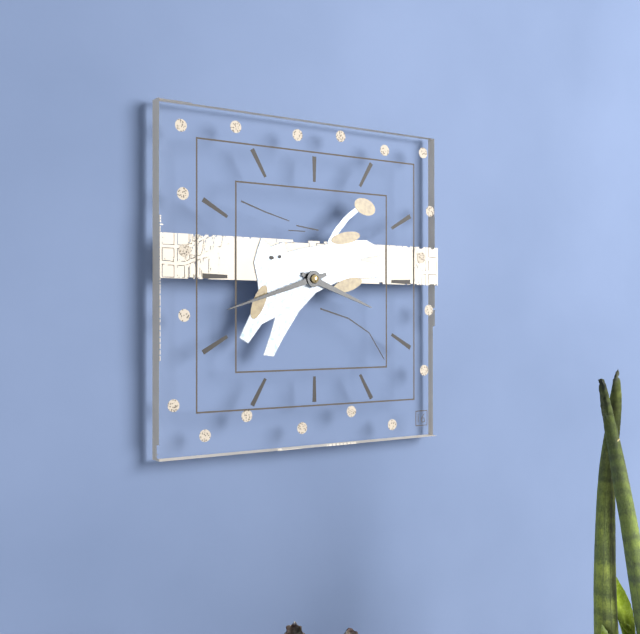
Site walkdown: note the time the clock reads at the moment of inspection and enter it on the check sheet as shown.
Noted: 3:42
